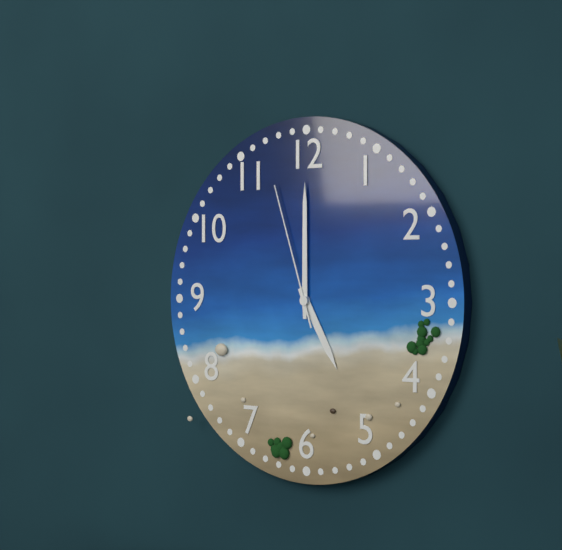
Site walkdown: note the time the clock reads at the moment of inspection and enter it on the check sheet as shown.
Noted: 5:00:57
